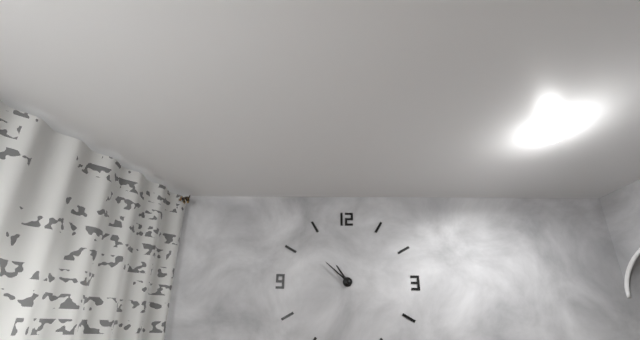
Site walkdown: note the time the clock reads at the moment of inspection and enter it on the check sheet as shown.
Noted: 10:52
